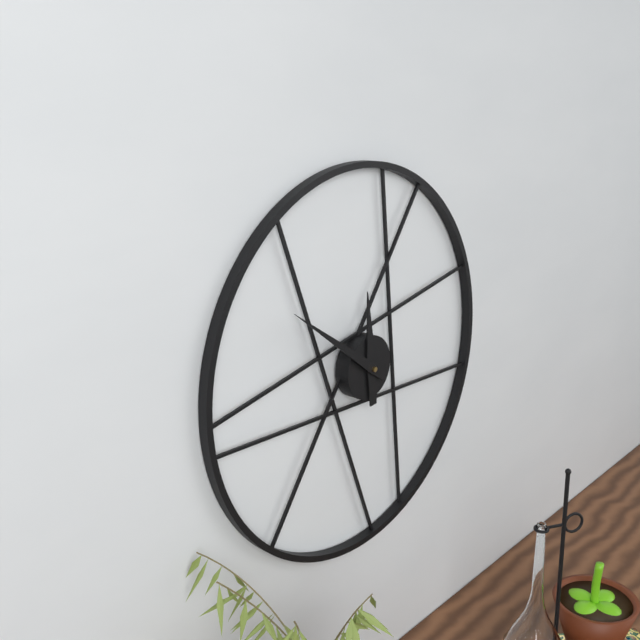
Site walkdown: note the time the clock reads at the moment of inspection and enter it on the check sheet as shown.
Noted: 11:51
